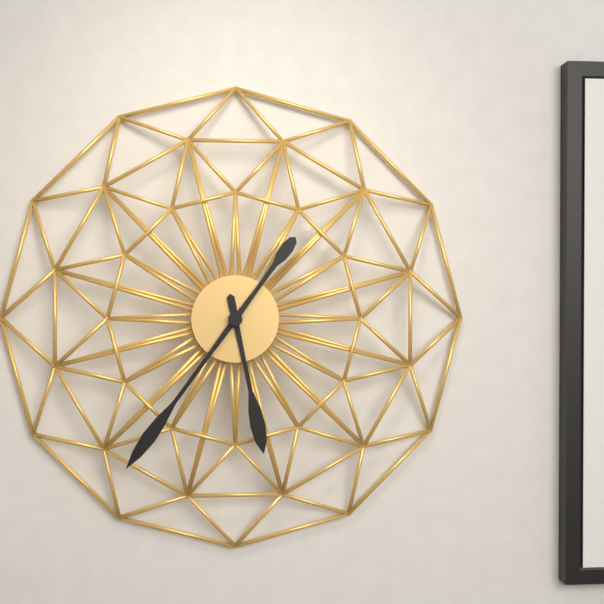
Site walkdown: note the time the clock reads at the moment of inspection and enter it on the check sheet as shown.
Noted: 5:36
